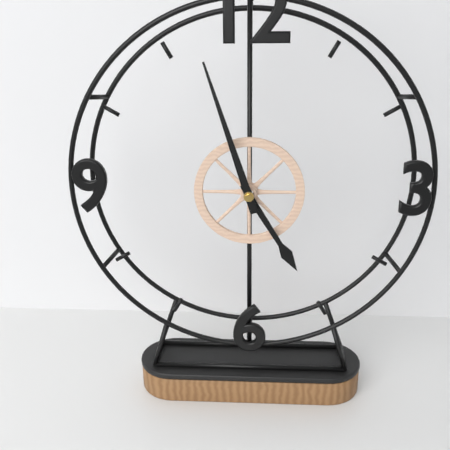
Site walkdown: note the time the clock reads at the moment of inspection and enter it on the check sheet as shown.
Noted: 4:57
